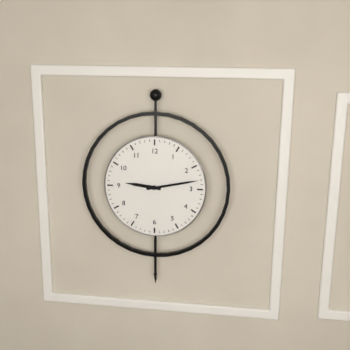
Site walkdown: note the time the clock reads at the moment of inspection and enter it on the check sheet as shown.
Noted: 9:13
